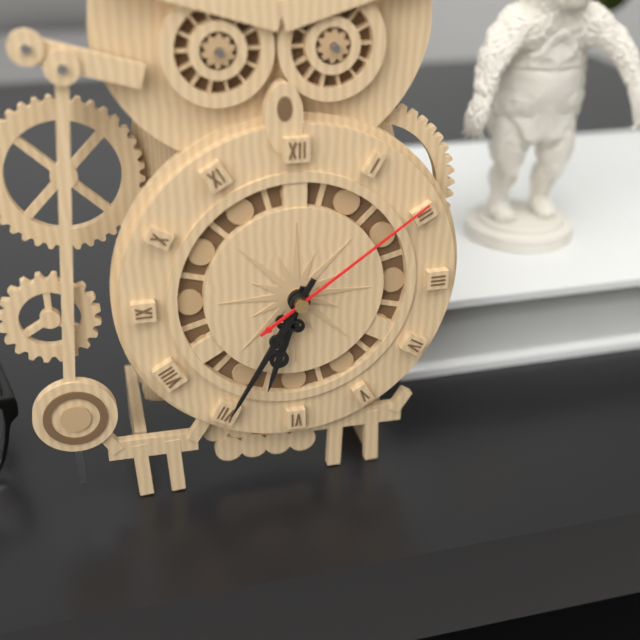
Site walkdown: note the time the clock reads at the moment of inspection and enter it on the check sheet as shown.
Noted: 6:35:09
